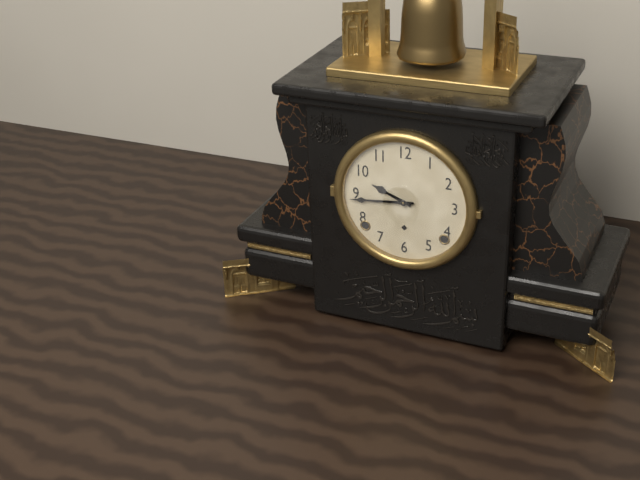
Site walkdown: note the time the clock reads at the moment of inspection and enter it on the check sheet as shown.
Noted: 9:44
